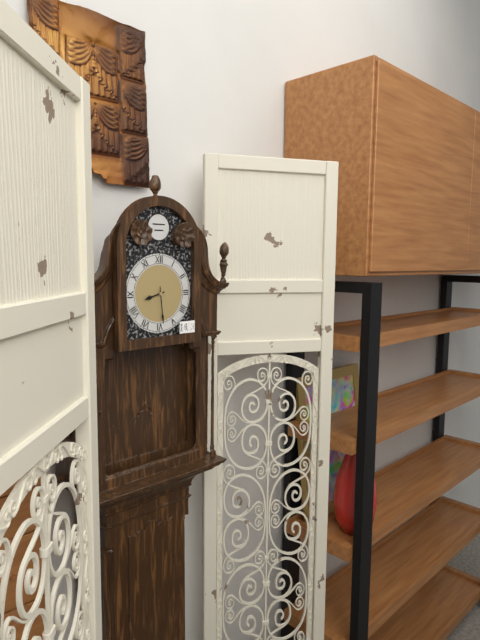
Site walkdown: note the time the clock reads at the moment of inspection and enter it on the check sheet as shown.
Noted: 8:29
